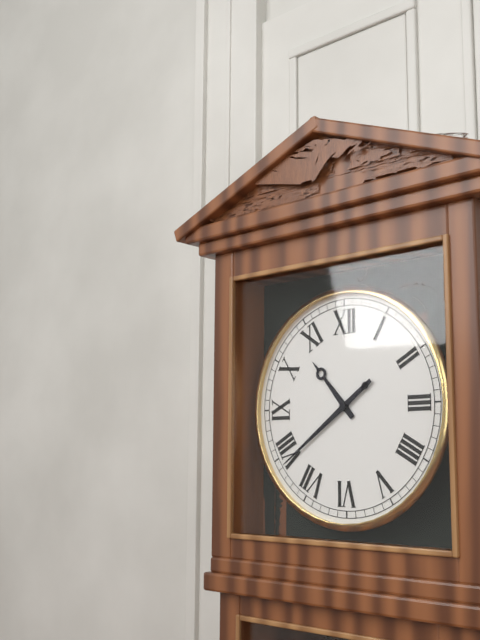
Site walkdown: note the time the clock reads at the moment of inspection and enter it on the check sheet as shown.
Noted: 10:39
